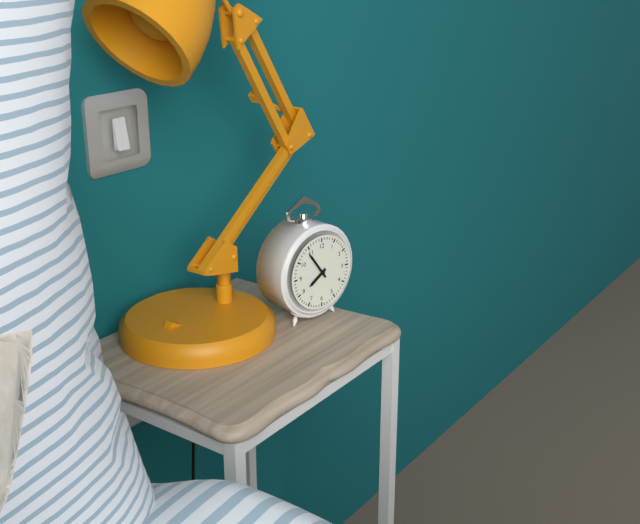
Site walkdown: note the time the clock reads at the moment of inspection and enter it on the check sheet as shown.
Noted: 7:54
